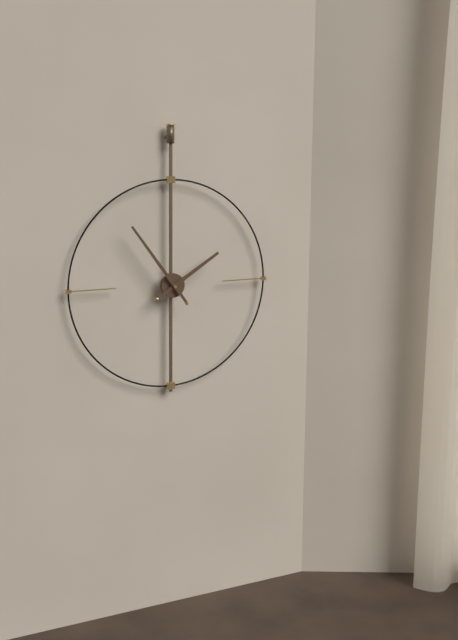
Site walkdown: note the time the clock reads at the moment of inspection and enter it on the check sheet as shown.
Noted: 1:54
